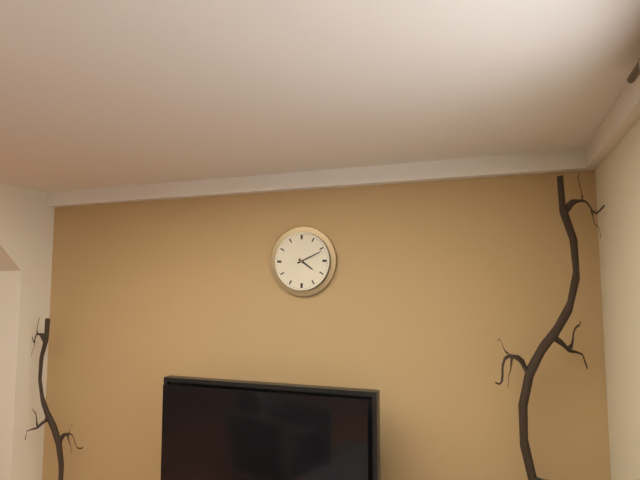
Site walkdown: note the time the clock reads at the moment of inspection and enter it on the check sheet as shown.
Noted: 4:11
